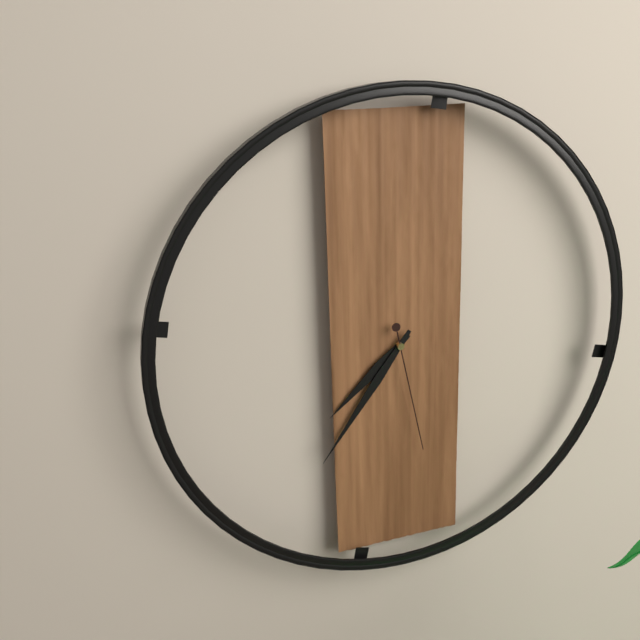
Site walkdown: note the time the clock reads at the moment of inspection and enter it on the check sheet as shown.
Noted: 7:36:28
